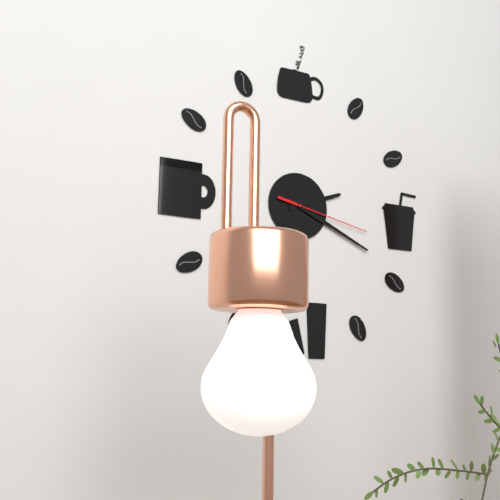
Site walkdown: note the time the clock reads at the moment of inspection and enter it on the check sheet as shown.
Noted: 2:19:17
